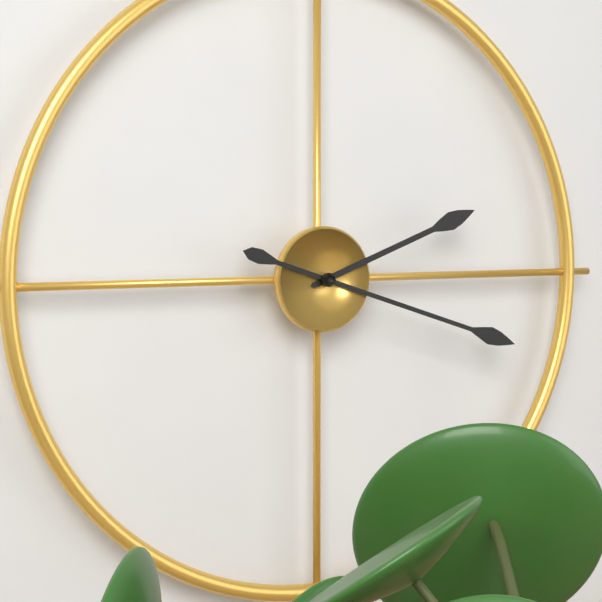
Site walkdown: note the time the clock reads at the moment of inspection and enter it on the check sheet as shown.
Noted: 2:18
